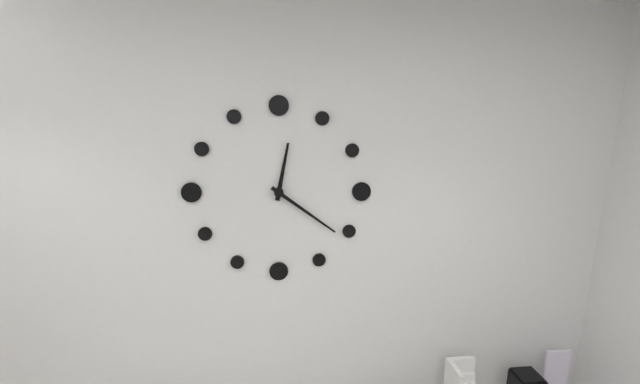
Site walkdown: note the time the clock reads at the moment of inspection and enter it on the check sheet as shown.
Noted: 12:21
